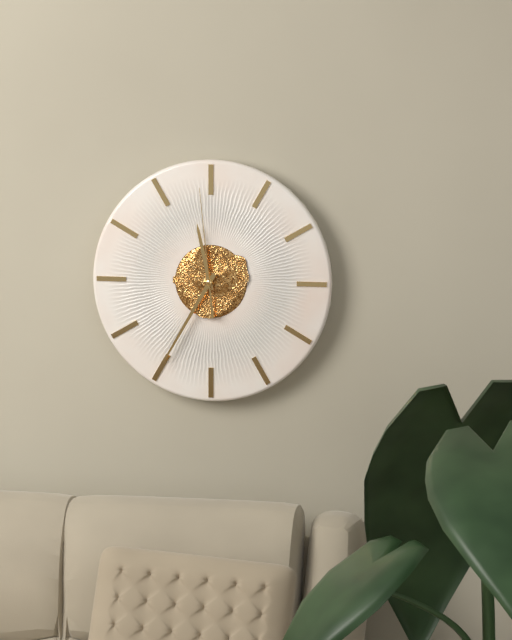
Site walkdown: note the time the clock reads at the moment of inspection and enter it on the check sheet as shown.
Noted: 11:35:59
